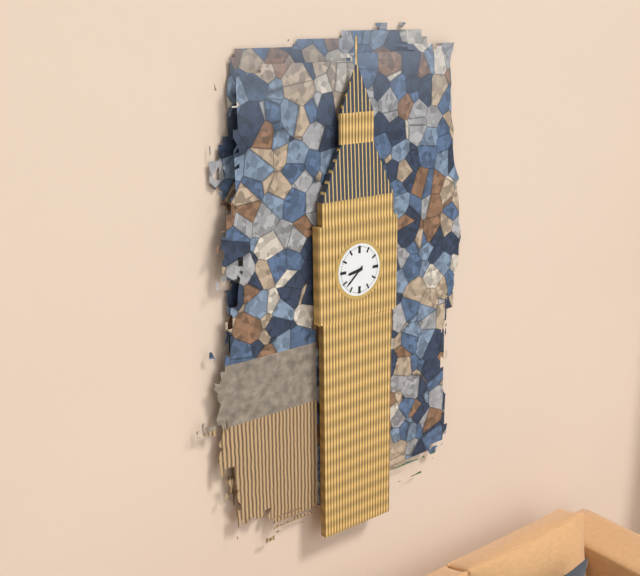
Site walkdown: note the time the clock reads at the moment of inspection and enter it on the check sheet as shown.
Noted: 8:38
